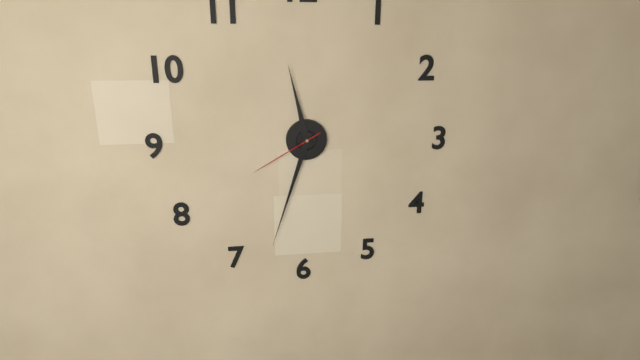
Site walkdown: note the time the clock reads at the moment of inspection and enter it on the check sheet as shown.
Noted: 11:33:40
